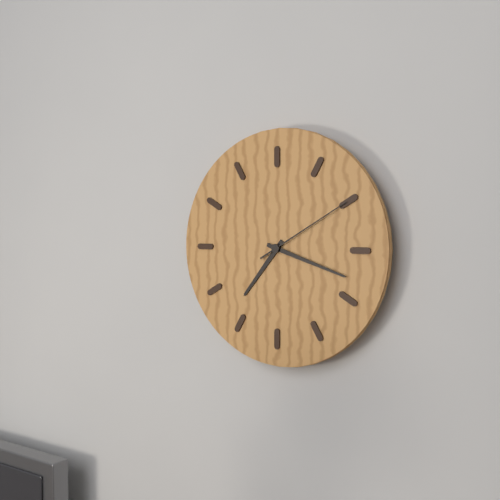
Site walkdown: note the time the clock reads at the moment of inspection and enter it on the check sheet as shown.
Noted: 7:18:10
